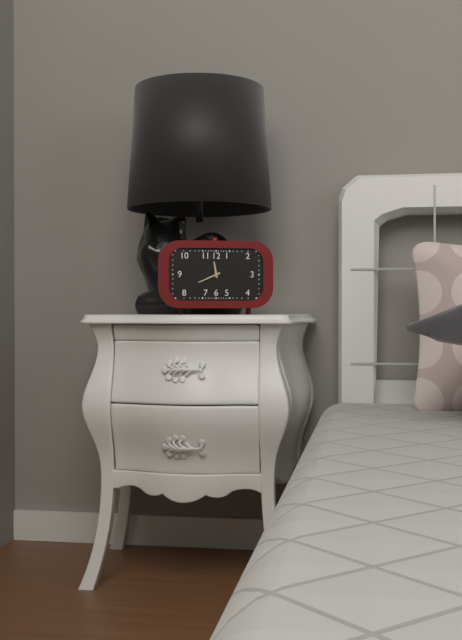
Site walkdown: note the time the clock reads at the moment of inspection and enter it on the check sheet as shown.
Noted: 11:41
